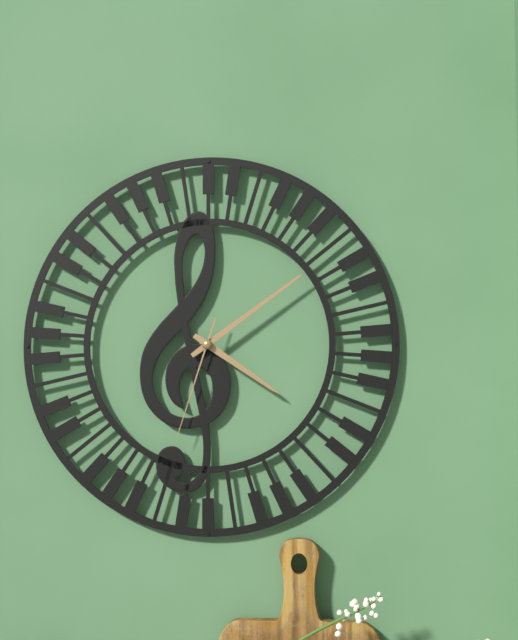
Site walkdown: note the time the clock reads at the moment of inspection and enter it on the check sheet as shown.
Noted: 4:09:33
